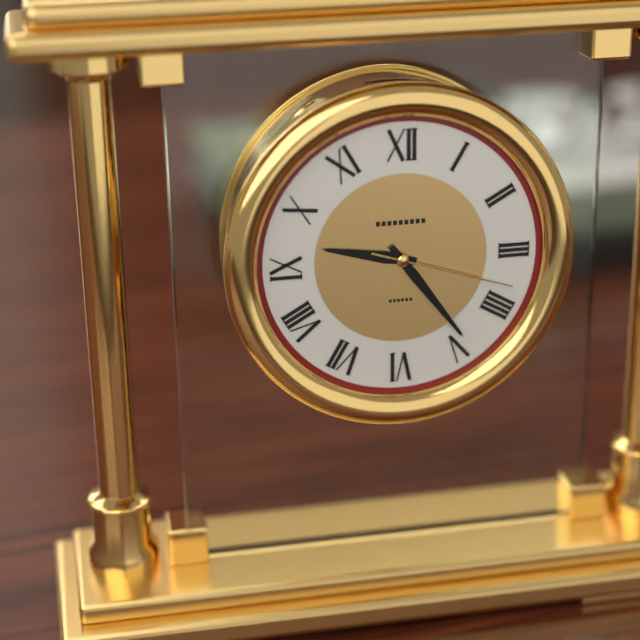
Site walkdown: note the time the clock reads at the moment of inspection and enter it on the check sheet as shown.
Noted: 9:24:18
